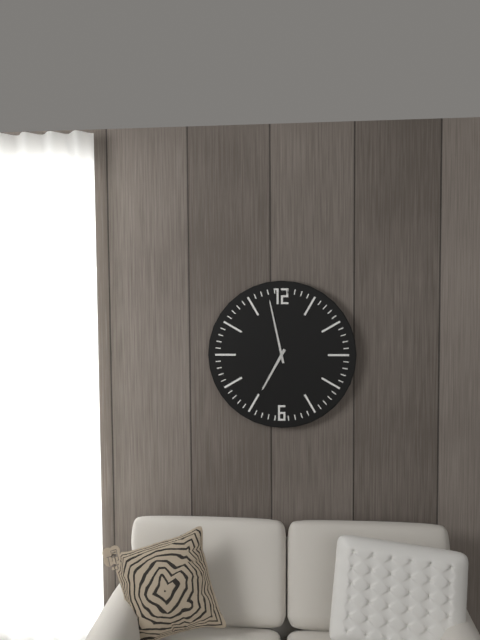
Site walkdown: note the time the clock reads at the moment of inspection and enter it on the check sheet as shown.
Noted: 6:58
